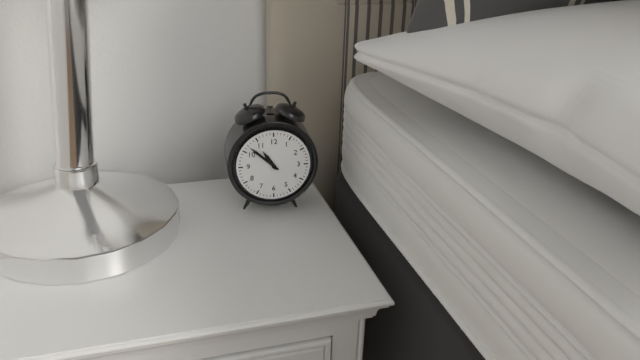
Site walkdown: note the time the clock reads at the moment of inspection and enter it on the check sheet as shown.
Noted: 10:52
